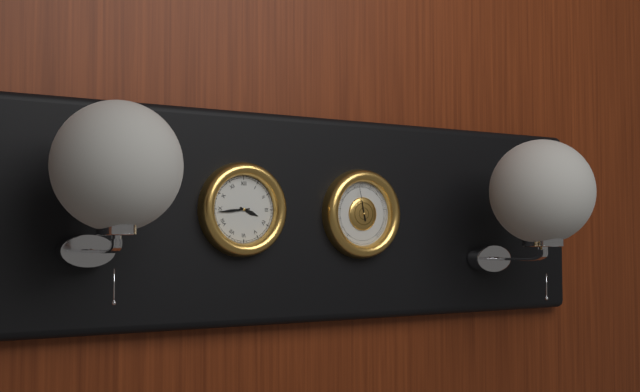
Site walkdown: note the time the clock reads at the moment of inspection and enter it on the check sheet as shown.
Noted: 3:44
